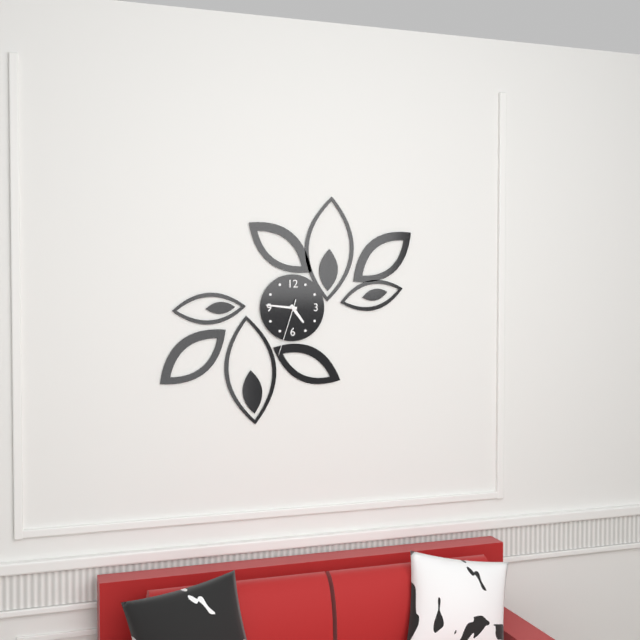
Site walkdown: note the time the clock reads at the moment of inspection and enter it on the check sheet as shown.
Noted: 4:46:33
